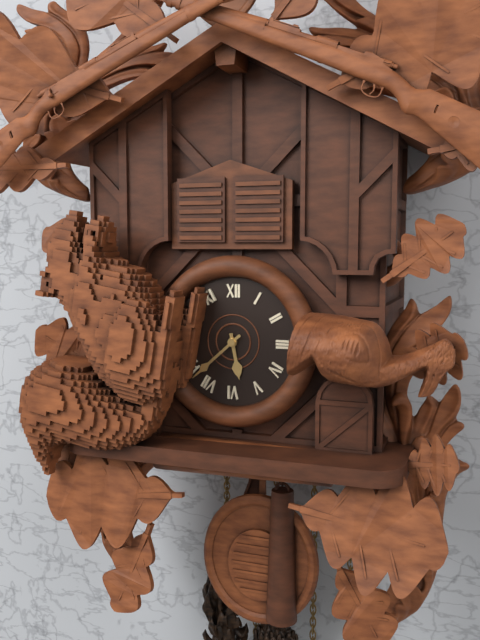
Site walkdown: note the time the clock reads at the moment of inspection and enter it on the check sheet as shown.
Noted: 5:38
